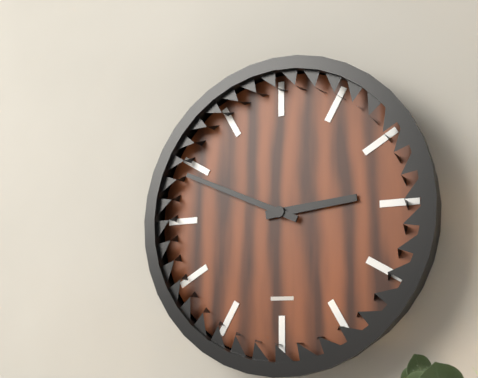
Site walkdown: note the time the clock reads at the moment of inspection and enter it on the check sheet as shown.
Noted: 2:49
